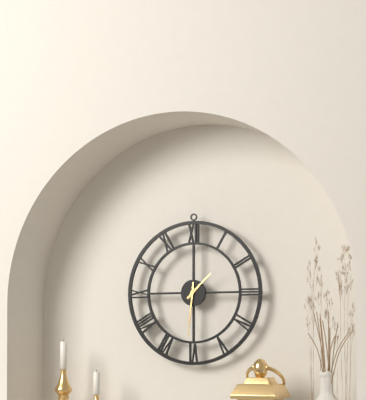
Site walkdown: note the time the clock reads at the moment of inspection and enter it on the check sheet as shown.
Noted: 1:31
